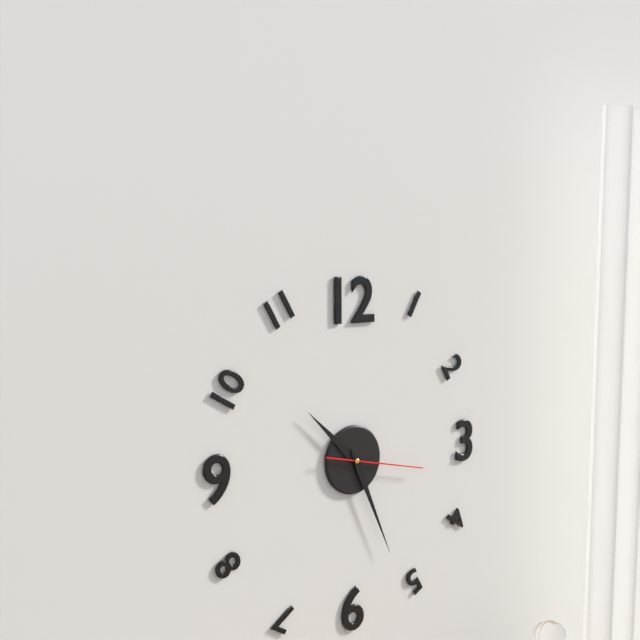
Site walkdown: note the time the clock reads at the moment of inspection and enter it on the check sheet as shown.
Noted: 10:26:17
